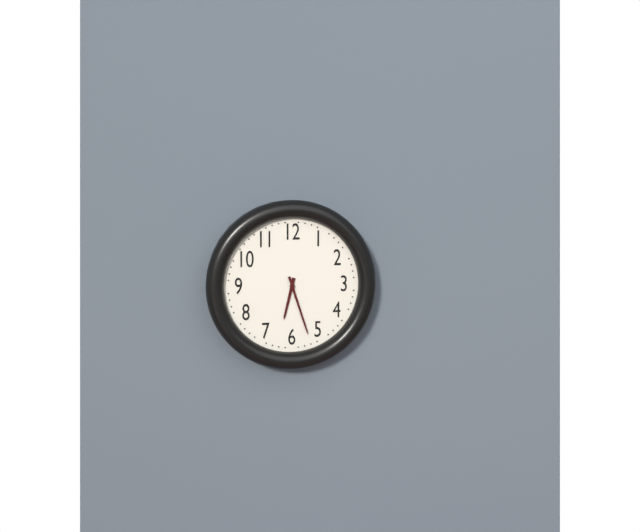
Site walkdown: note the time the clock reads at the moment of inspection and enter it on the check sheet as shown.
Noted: 6:27
